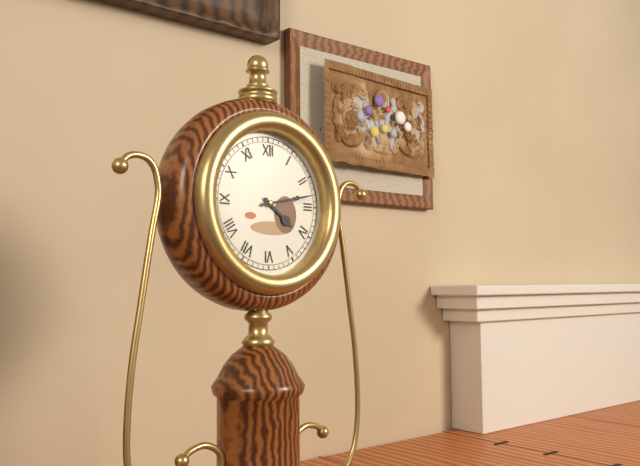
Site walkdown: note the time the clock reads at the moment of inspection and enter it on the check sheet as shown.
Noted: 4:13
